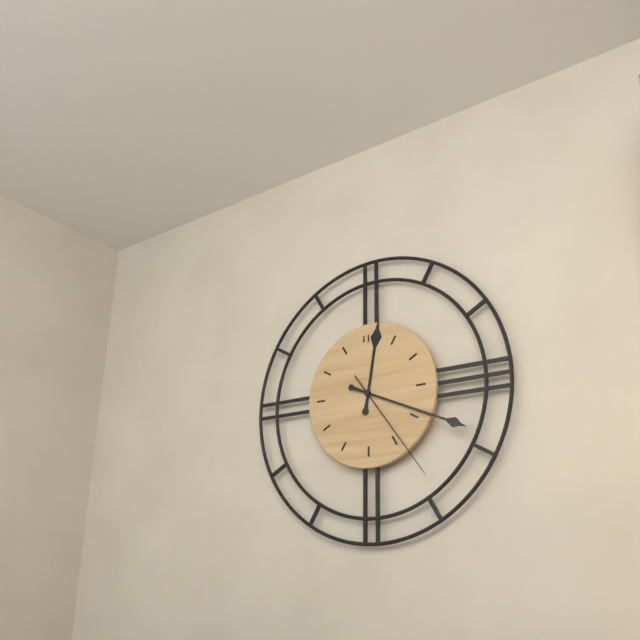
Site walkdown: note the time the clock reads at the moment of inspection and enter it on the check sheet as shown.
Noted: 12:19:24
